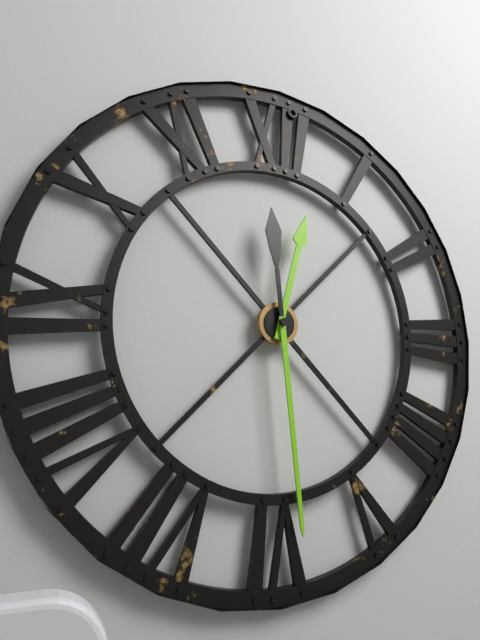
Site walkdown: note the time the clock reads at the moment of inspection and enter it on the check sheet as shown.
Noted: 12:29
